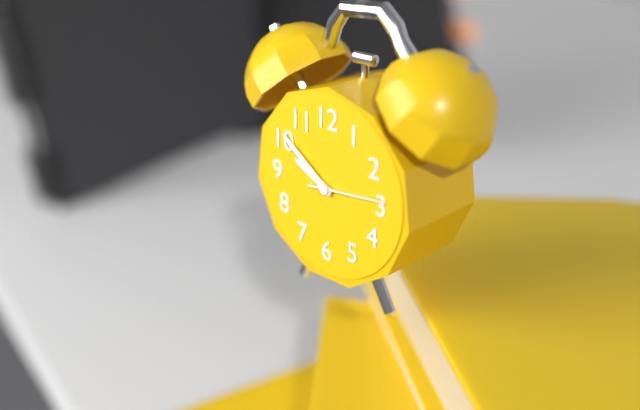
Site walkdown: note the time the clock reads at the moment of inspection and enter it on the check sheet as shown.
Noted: 9:51:14
